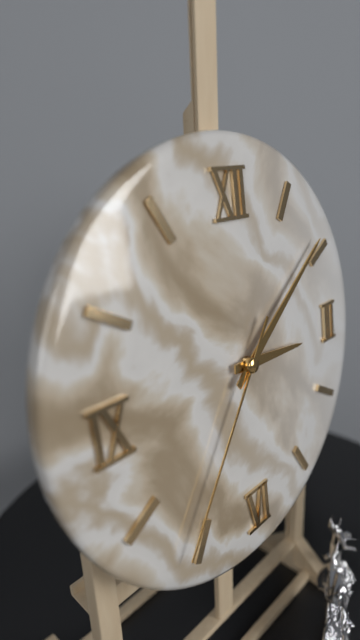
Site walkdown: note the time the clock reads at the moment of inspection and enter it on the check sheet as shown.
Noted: 3:09:36
